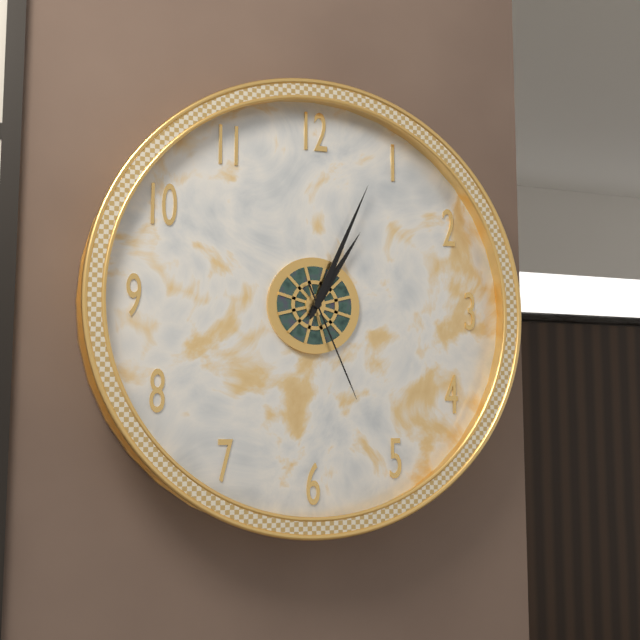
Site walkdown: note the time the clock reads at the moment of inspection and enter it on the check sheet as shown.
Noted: 1:04:26
